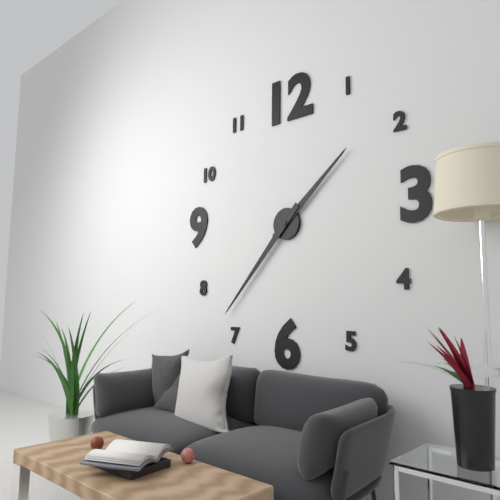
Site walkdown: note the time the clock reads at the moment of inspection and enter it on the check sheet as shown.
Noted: 1:37
